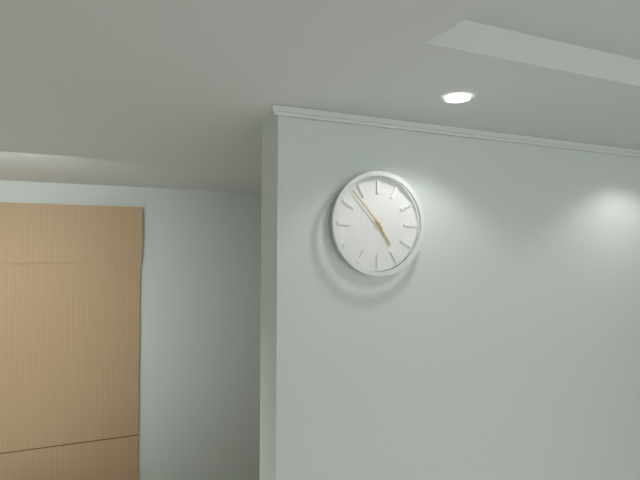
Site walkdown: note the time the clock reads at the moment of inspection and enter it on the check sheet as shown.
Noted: 4:53
